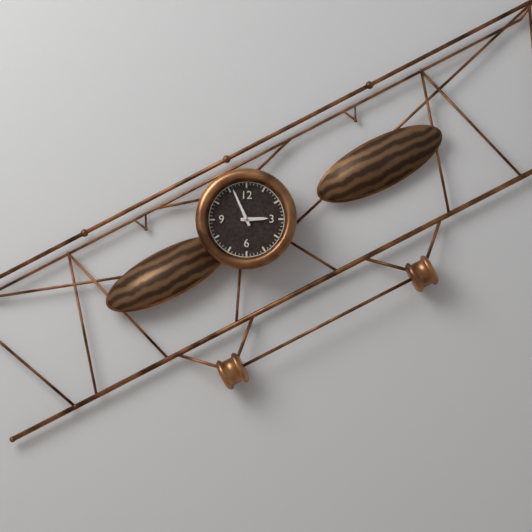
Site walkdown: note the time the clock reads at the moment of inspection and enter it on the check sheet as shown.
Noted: 2:56
